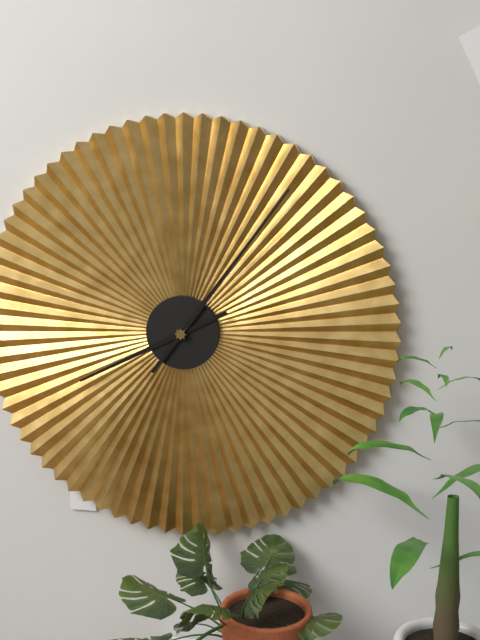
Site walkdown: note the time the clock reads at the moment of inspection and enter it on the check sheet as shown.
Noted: 8:06
